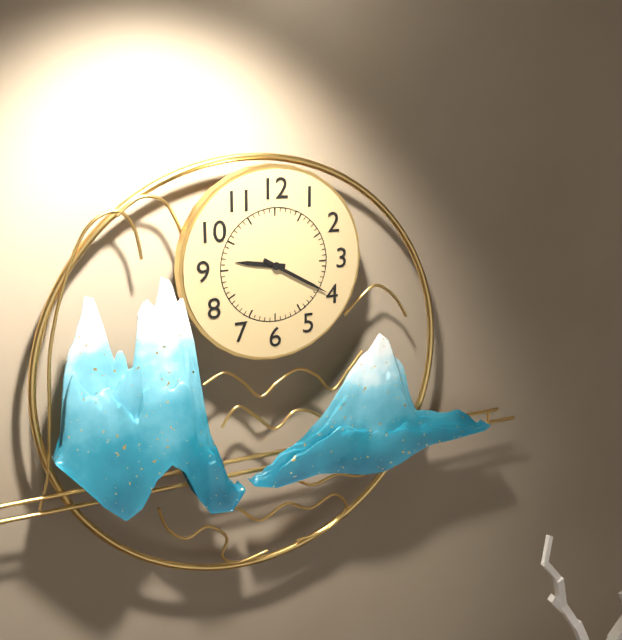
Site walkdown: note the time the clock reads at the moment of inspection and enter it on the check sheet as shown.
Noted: 9:20
